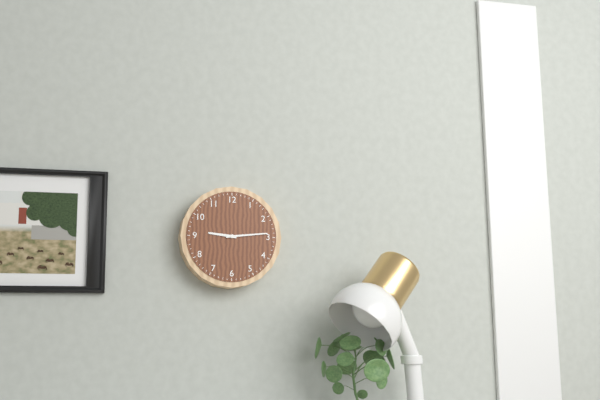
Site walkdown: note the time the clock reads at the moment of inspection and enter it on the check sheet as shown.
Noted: 9:14
